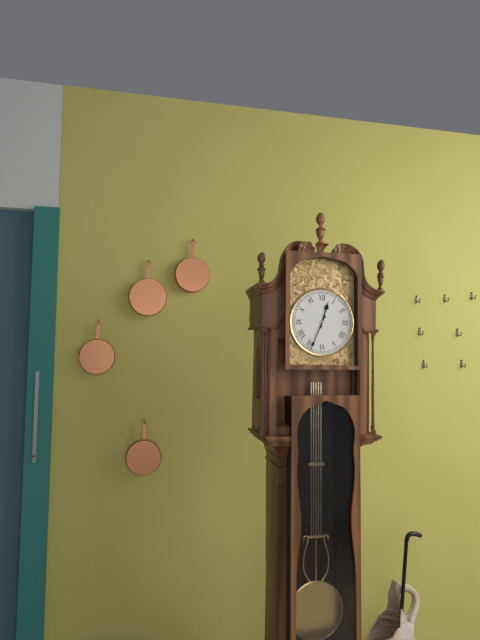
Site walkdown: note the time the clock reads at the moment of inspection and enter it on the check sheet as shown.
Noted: 12:34
